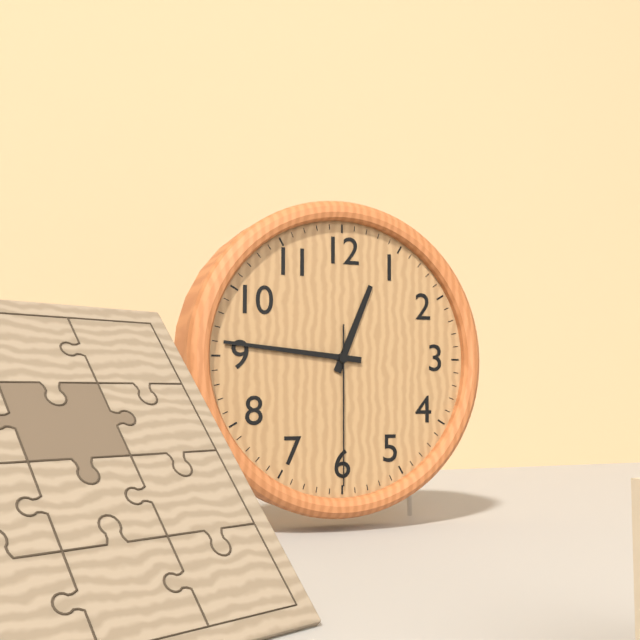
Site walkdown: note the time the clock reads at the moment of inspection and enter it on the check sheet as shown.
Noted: 12:46:30
